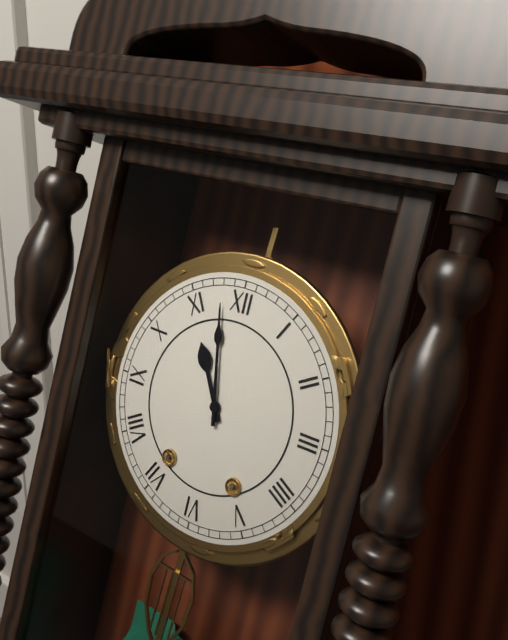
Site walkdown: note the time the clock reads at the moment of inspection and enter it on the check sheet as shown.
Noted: 10:58
